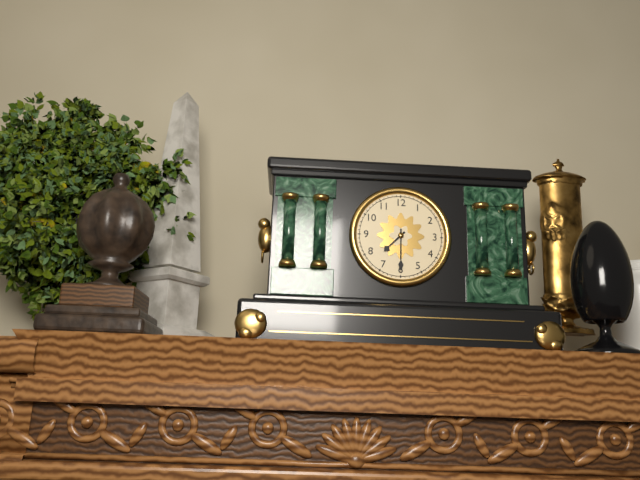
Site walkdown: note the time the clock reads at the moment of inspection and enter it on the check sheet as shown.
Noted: 7:30
